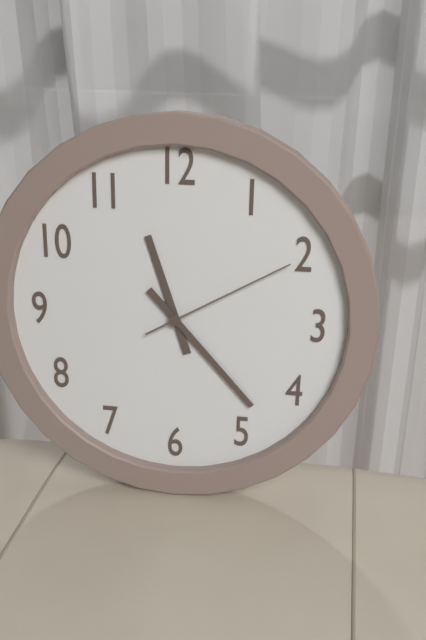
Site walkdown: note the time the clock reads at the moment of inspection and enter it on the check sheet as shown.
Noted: 11:23:10
